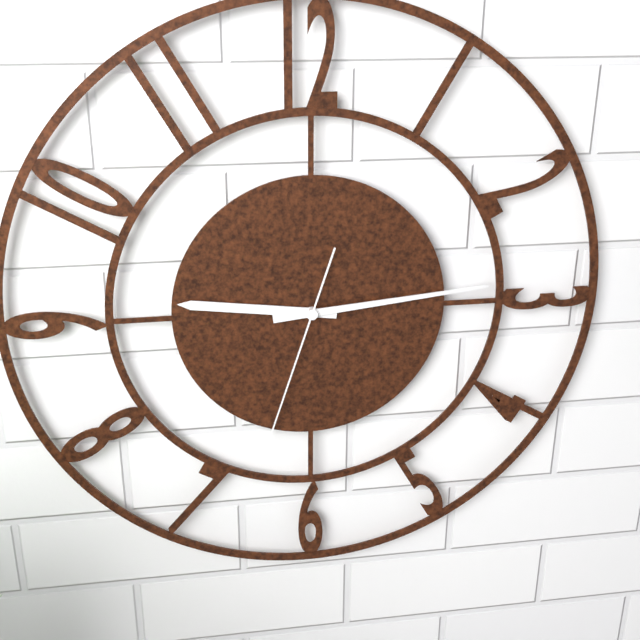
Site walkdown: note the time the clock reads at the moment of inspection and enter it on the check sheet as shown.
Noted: 9:14:33
